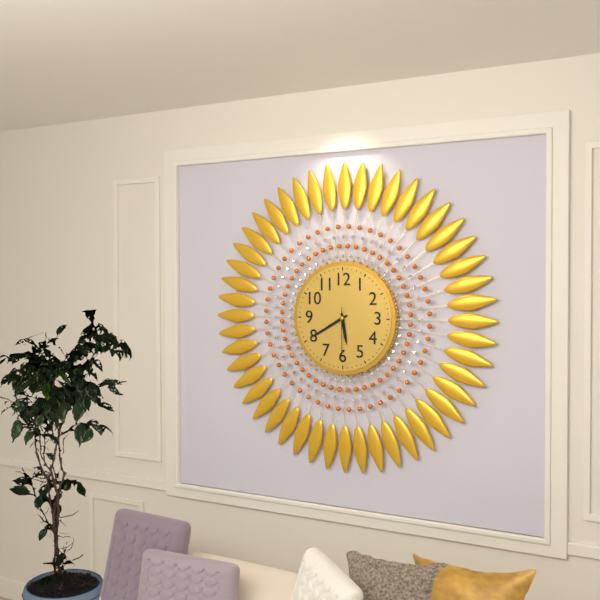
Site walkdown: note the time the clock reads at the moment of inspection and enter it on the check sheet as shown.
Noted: 5:40:30
